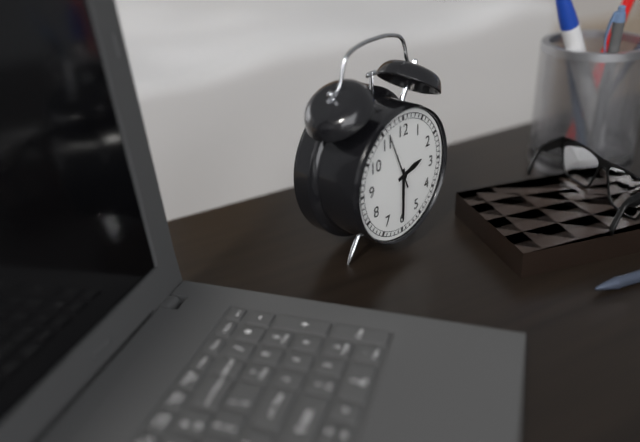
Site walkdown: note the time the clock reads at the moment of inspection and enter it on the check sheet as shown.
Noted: 2:30:56
